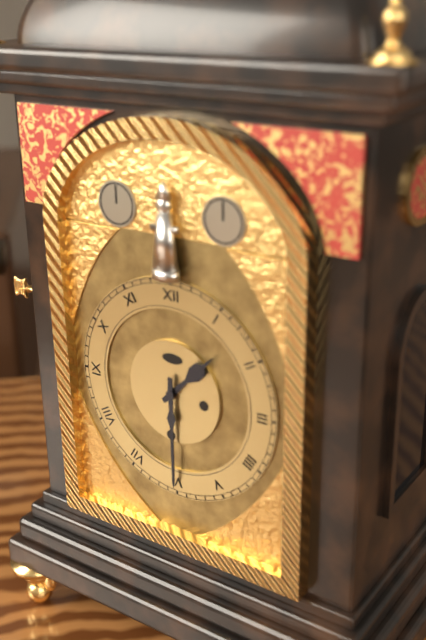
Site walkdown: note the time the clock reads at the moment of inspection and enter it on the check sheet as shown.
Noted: 1:30
